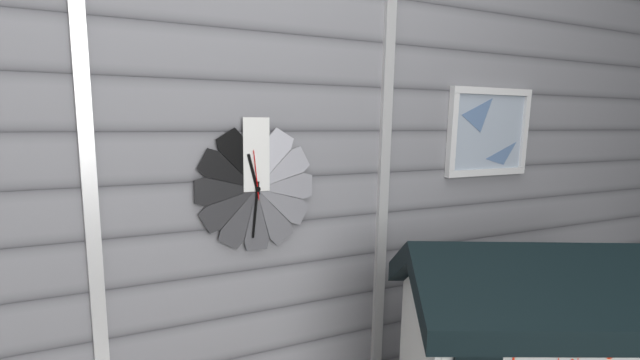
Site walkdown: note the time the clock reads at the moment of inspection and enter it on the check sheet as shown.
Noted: 11:31
